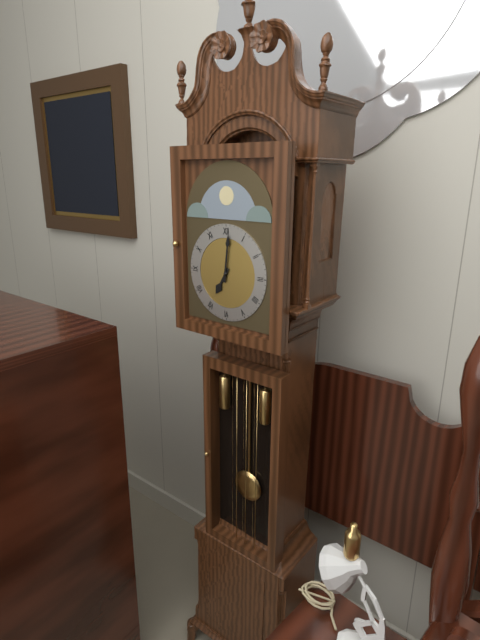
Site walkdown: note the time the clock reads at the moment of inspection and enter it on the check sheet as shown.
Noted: 7:01
